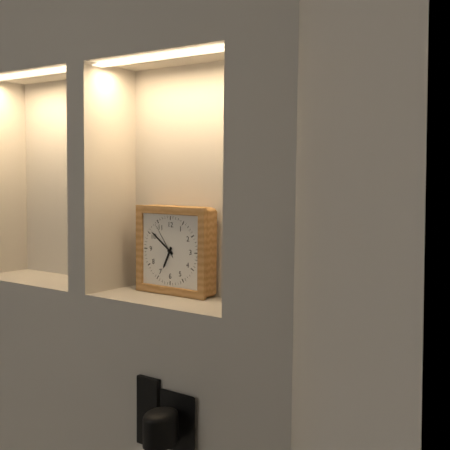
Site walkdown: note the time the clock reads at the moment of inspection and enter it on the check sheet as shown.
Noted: 6:51
